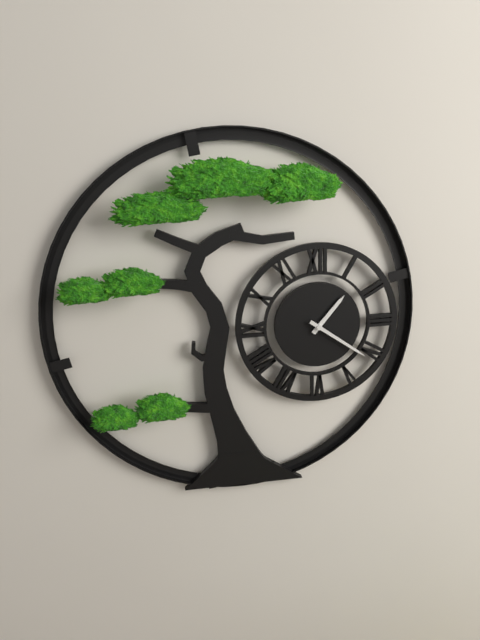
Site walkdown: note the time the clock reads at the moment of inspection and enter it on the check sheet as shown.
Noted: 1:21
